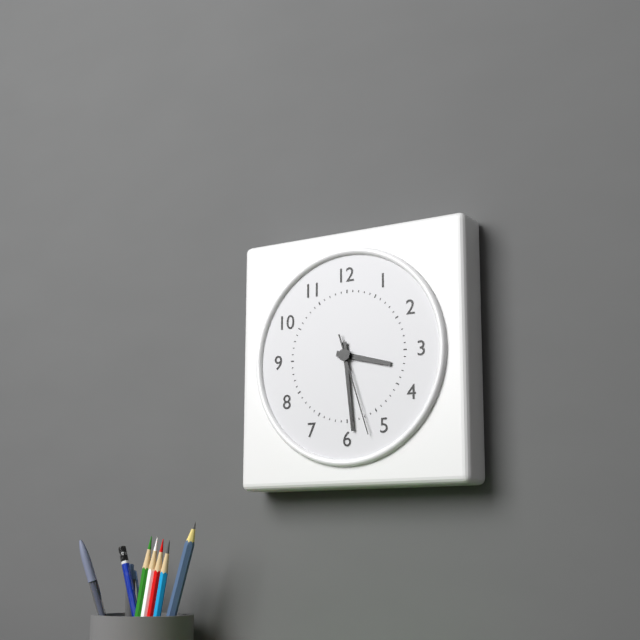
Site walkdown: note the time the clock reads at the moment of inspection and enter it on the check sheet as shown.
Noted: 3:29:27
